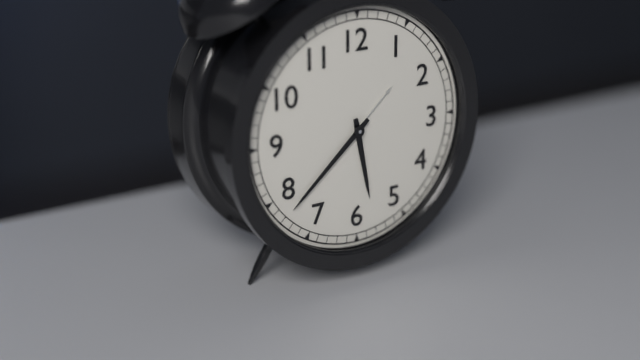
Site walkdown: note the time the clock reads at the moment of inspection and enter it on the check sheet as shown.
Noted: 5:38
